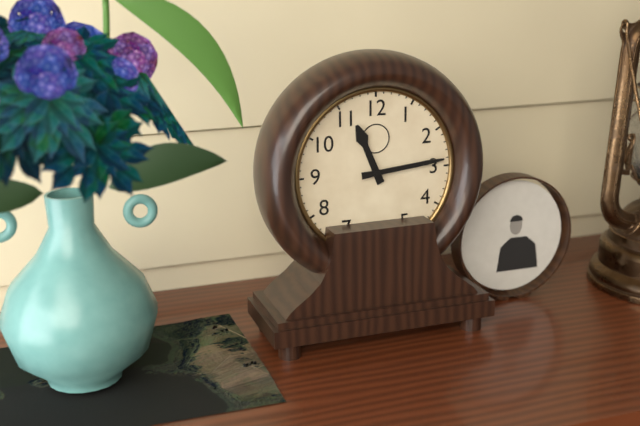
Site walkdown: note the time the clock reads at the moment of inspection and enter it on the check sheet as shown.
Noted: 11:14
